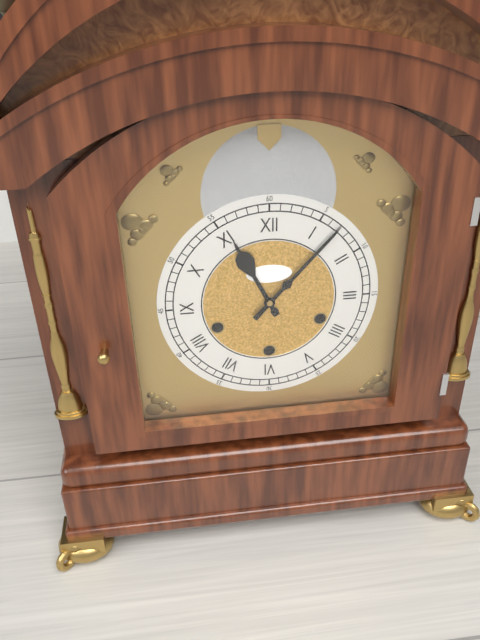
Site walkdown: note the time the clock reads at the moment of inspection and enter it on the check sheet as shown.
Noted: 11:07
